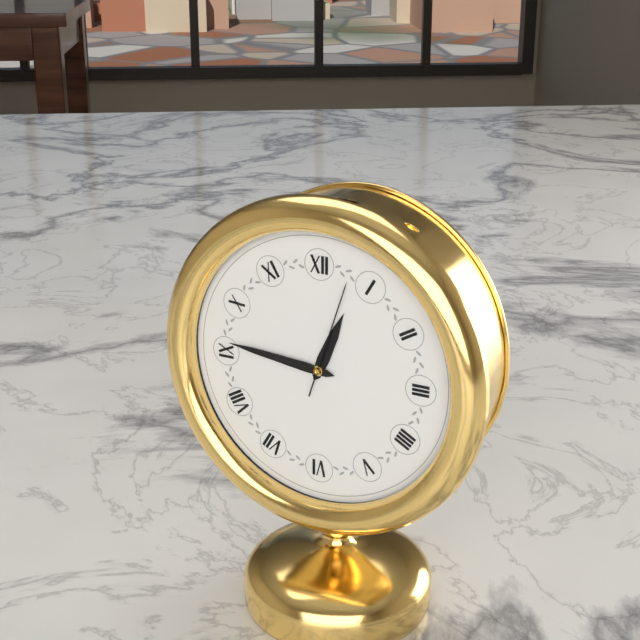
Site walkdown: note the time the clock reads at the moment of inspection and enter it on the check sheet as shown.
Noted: 12:46:03
